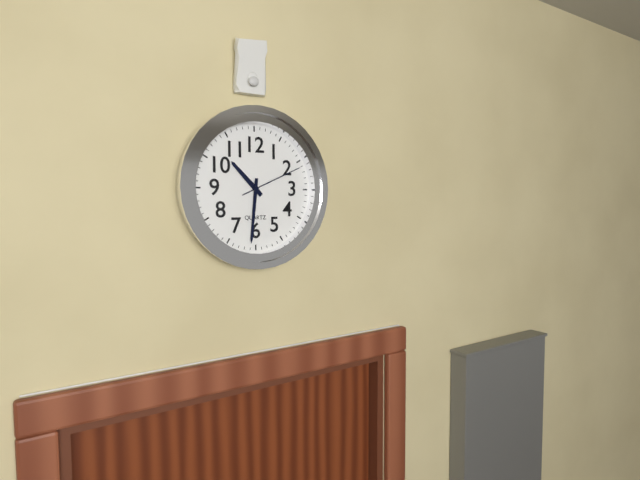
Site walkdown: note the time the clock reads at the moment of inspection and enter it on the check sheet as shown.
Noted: 10:31:11
